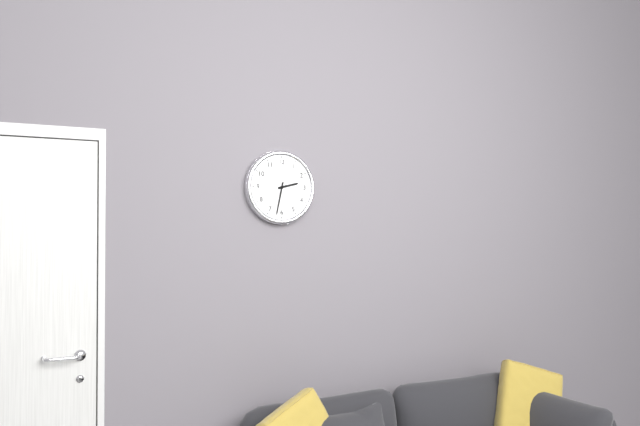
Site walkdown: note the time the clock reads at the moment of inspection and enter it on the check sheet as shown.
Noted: 2:32
